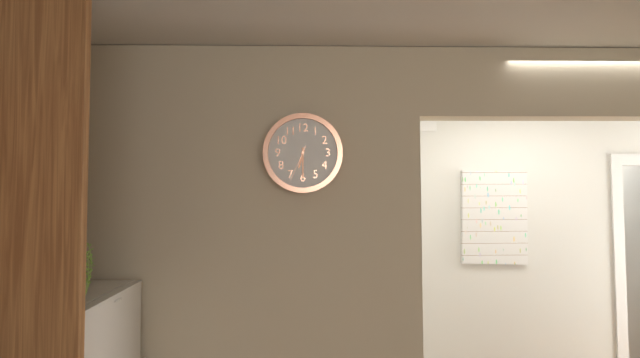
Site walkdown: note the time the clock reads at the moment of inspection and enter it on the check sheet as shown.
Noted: 6:30
